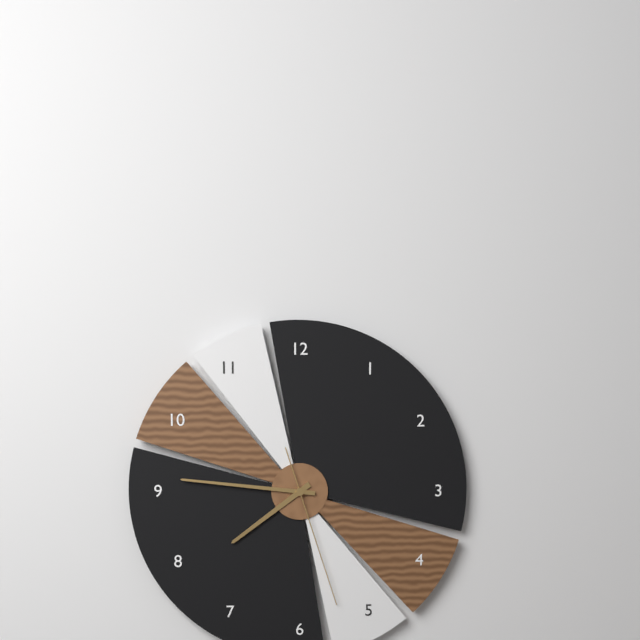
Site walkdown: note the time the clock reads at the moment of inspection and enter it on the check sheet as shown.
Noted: 7:46:27
